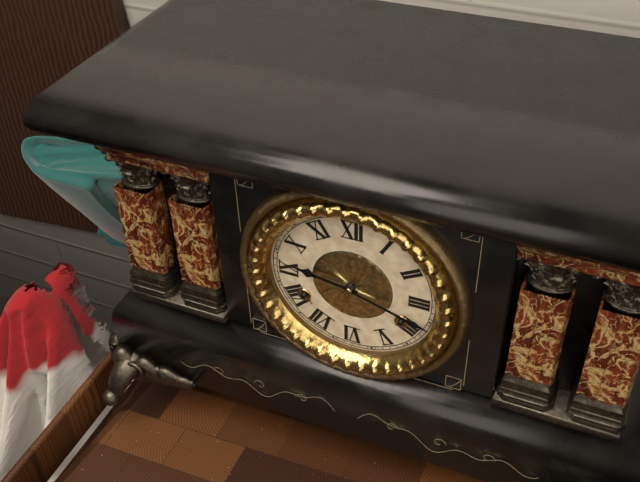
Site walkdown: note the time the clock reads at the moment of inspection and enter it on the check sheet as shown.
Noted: 9:18
